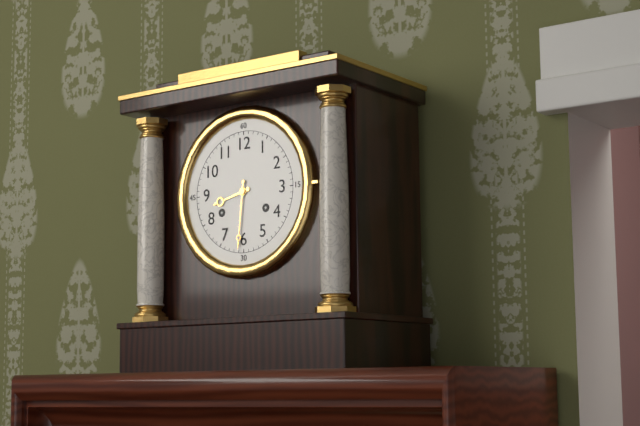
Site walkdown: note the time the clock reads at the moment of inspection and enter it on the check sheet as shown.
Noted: 8:31
